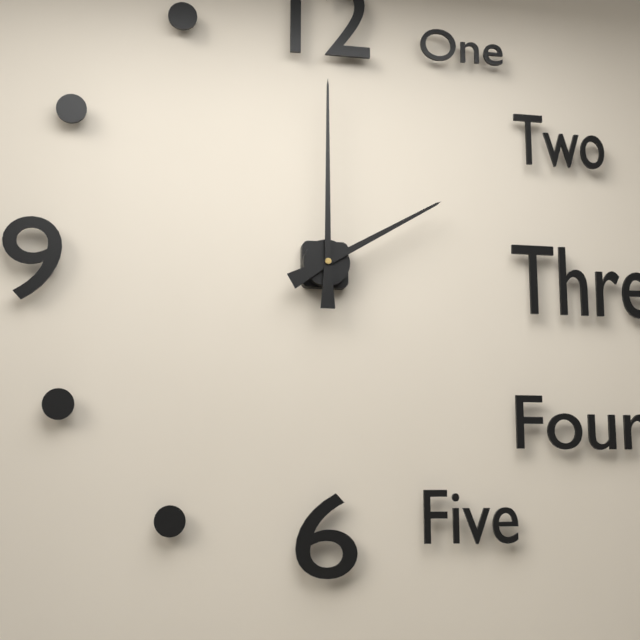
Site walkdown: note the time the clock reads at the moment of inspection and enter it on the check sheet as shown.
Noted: 2:00
